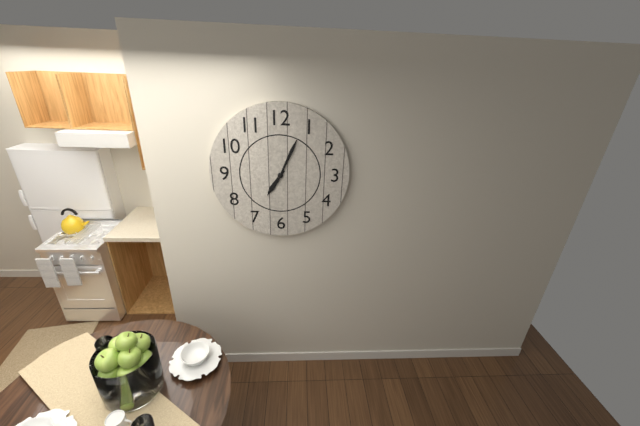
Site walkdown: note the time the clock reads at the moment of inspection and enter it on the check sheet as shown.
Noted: 7:04
